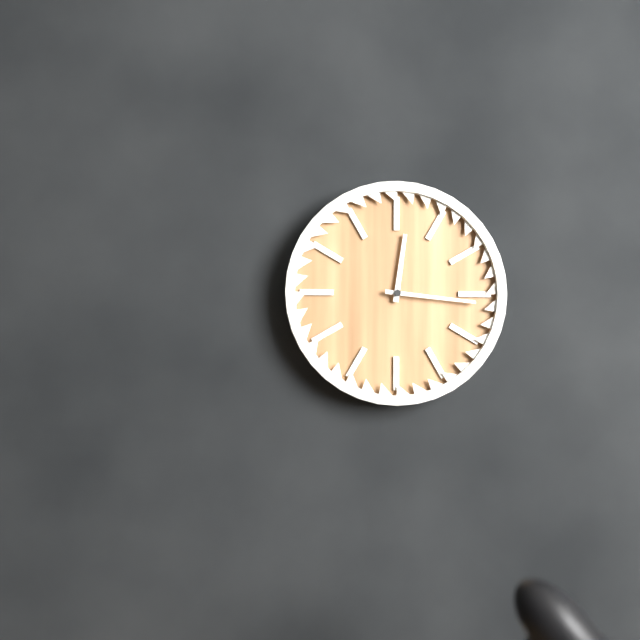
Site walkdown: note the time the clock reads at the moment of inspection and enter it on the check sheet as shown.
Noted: 12:16
